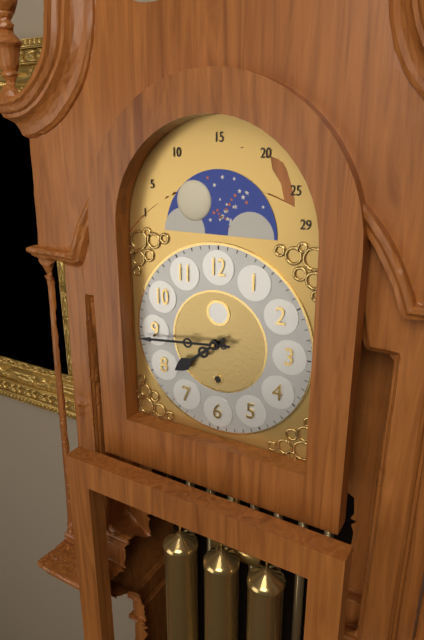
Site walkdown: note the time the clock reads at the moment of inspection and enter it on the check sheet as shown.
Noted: 7:44
